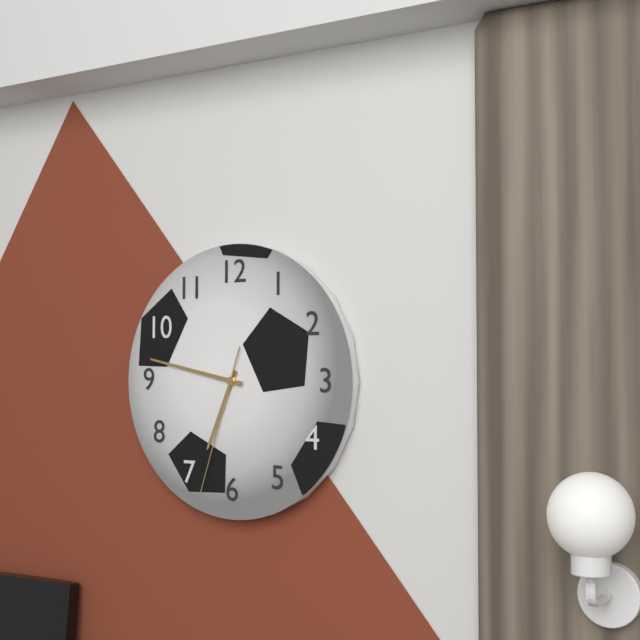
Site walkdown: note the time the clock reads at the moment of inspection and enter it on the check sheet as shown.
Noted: 6:47:33
